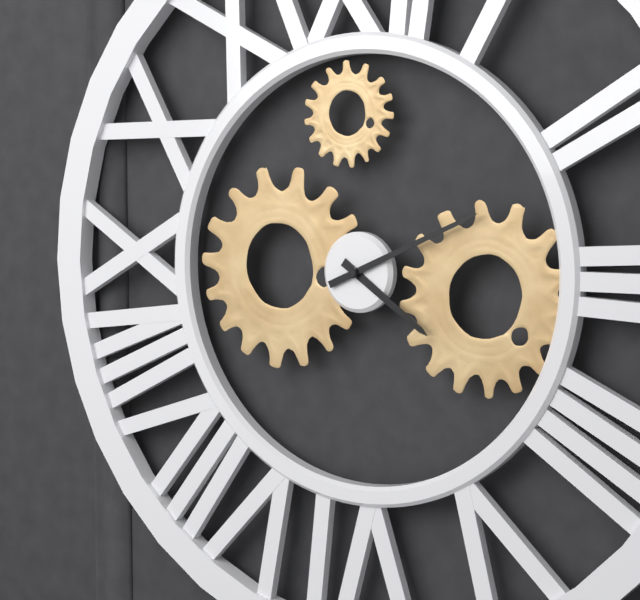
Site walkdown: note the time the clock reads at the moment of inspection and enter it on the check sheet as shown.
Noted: 4:11
